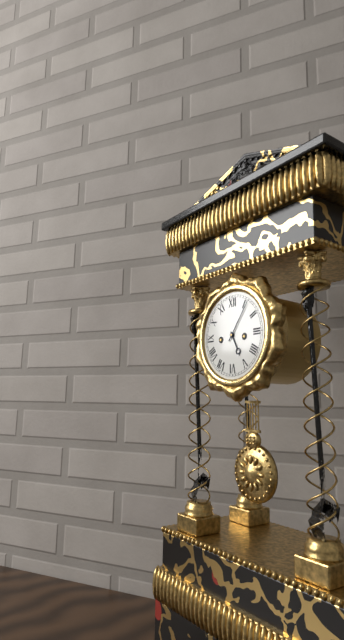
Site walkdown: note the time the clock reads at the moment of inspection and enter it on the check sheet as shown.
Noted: 5:06
